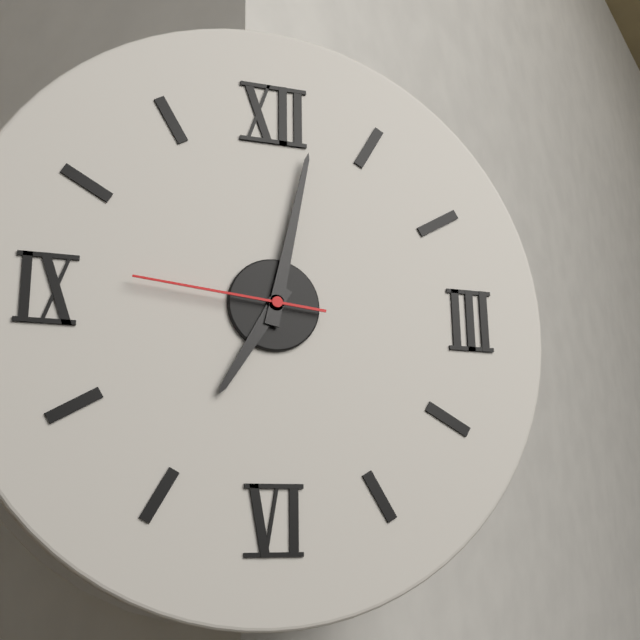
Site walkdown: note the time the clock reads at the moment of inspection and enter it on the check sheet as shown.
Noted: 7:02:46
